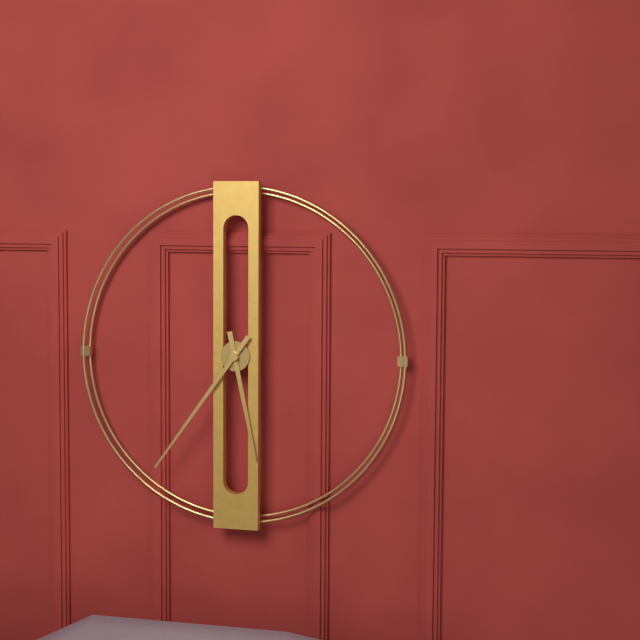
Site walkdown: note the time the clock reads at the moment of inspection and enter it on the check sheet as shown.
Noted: 5:36
